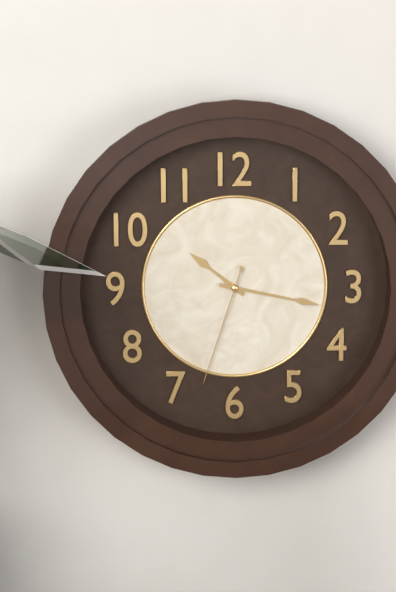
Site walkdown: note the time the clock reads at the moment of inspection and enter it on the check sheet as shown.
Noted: 10:17:33
